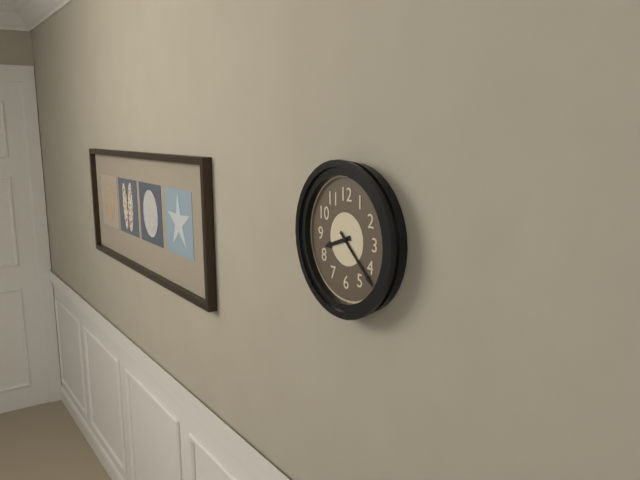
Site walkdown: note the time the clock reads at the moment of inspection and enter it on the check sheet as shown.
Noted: 8:22
